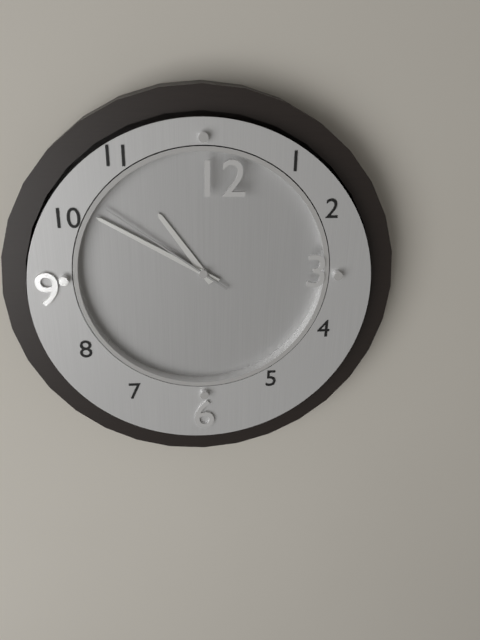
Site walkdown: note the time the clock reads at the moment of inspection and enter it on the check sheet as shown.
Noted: 10:50:51
